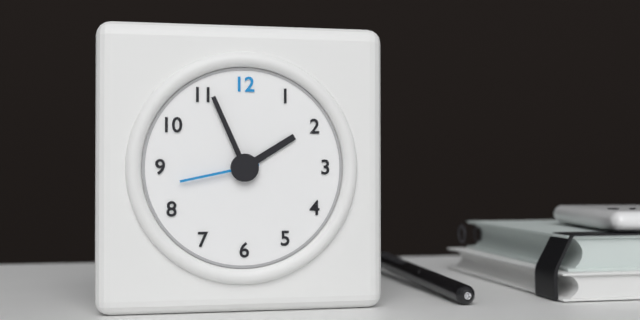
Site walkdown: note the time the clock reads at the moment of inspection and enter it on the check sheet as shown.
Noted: 1:56:43
